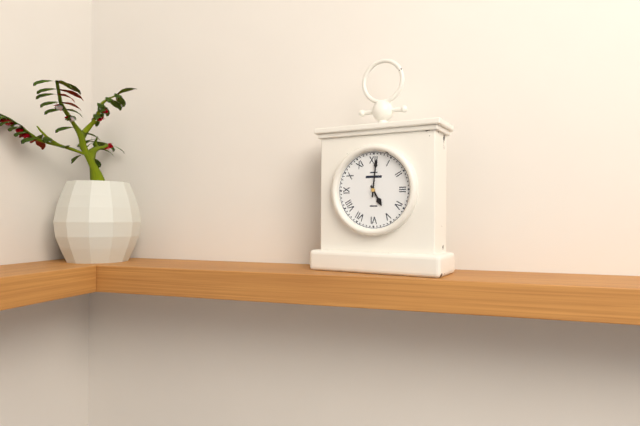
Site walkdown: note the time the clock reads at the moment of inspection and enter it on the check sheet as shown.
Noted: 5:01
